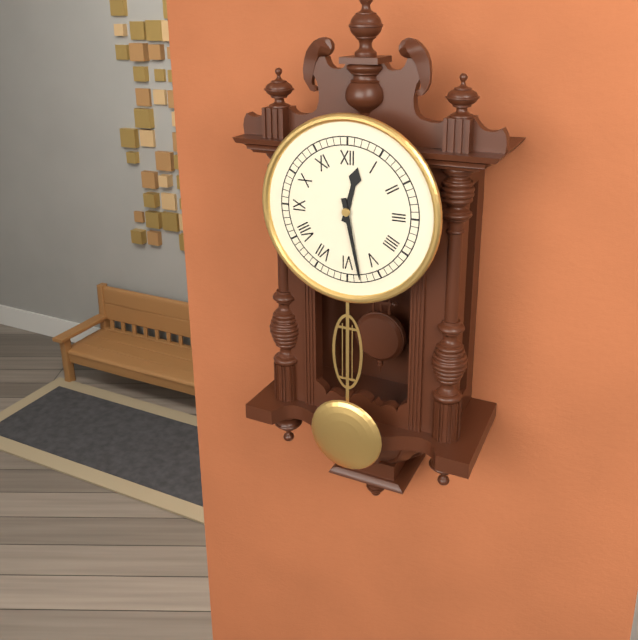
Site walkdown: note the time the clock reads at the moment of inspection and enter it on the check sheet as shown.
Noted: 12:28
